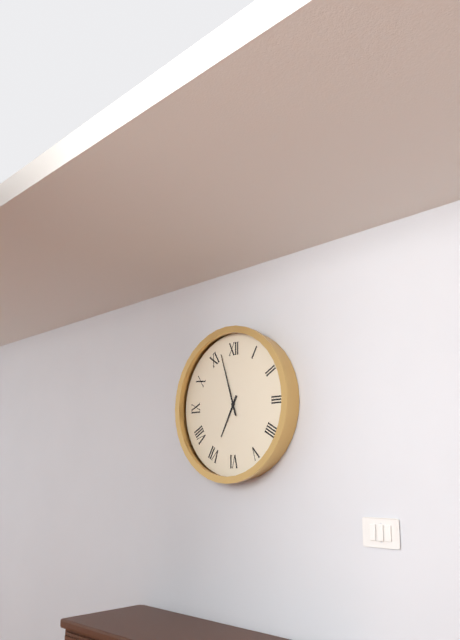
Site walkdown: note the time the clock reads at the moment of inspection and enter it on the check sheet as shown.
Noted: 6:57
